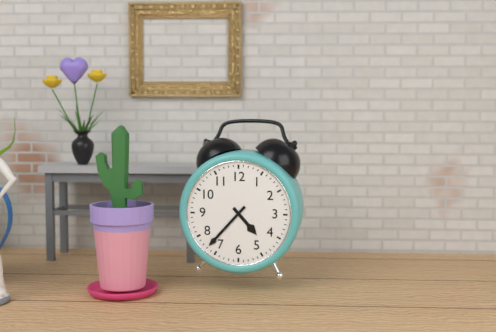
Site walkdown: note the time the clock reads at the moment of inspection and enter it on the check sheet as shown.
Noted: 4:37
